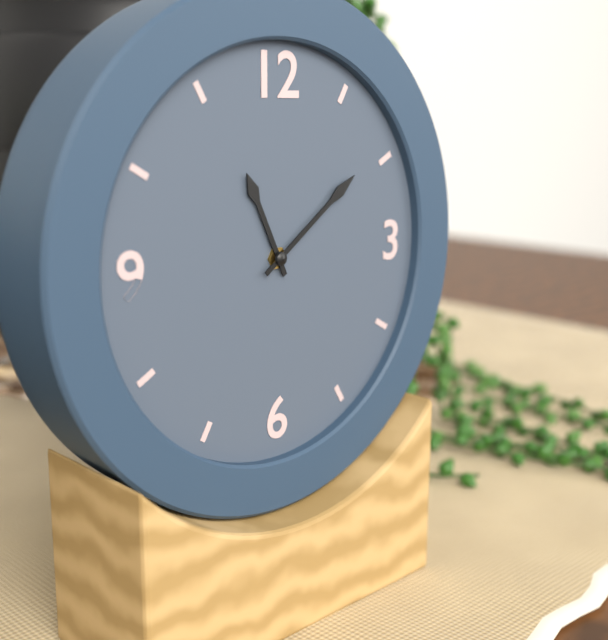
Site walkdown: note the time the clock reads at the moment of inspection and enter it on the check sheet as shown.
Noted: 11:09
